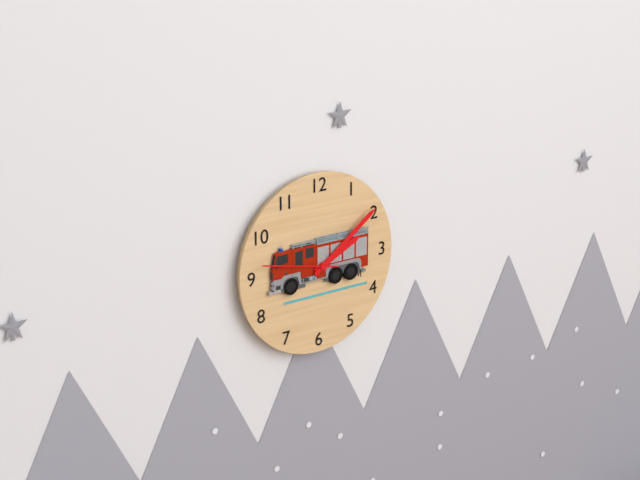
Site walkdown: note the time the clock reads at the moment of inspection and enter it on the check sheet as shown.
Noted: 2:09:47
